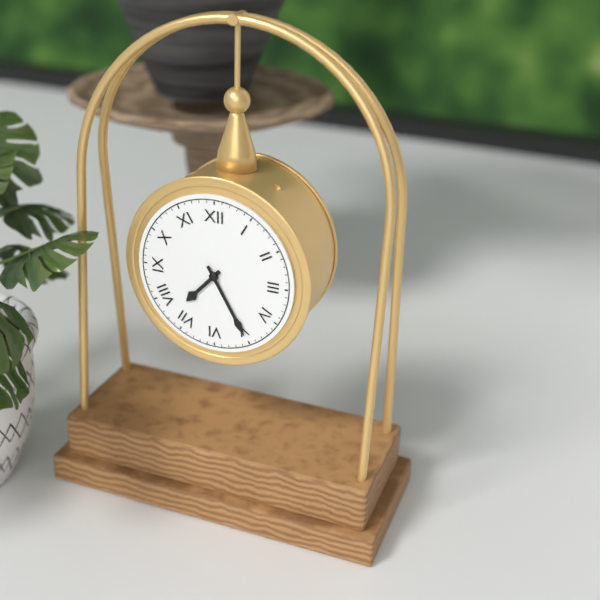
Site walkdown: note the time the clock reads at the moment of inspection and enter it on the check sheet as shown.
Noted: 7:25
